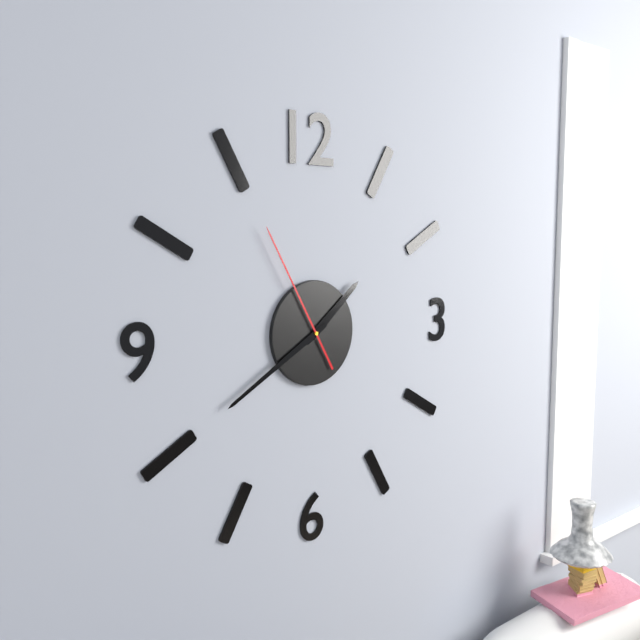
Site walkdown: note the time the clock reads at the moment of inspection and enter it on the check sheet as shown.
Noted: 1:40:55
